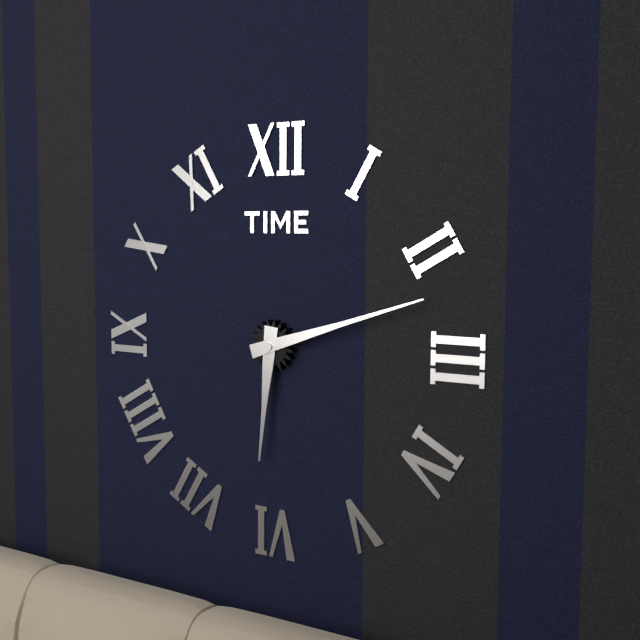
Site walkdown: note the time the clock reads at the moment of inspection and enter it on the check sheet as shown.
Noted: 6:12
